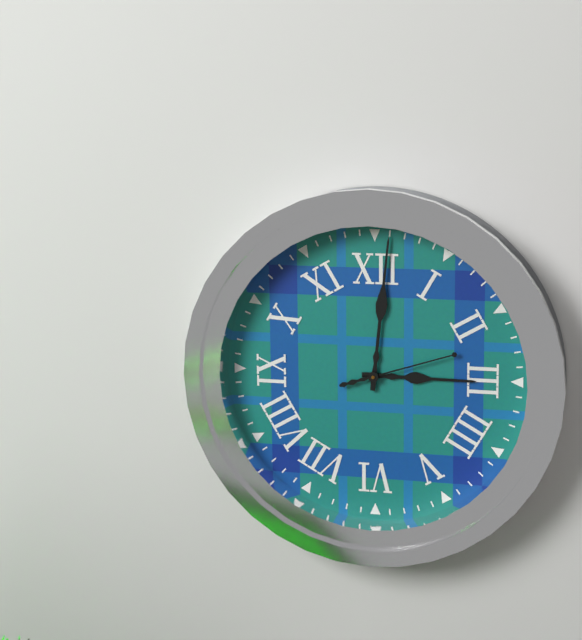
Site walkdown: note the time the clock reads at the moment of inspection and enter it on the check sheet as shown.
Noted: 3:01:12
